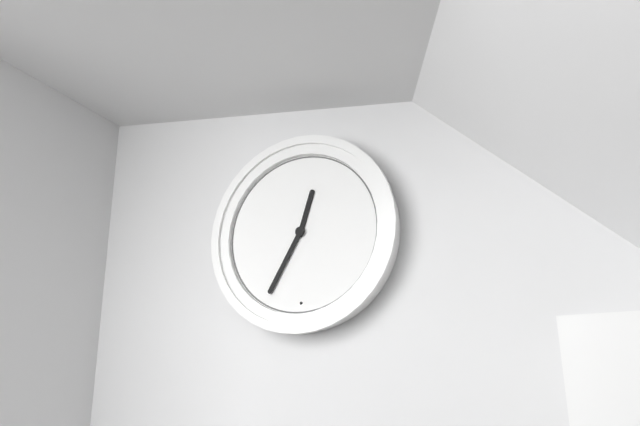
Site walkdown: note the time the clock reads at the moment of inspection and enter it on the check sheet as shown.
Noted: 12:35
